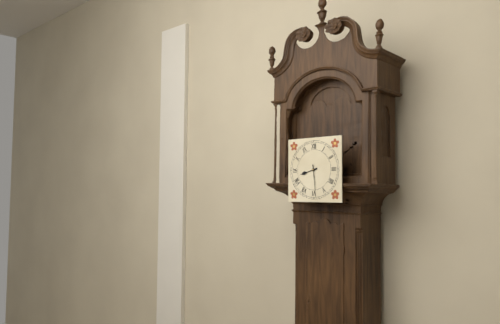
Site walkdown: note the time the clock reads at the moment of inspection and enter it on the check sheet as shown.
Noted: 8:29
